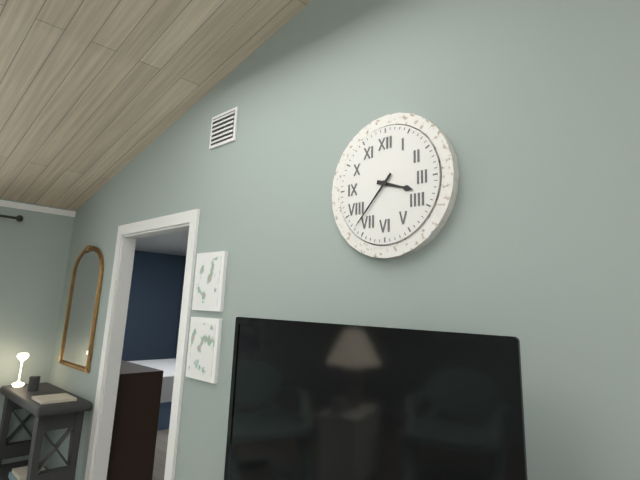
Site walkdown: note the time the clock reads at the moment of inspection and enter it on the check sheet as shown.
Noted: 3:37
